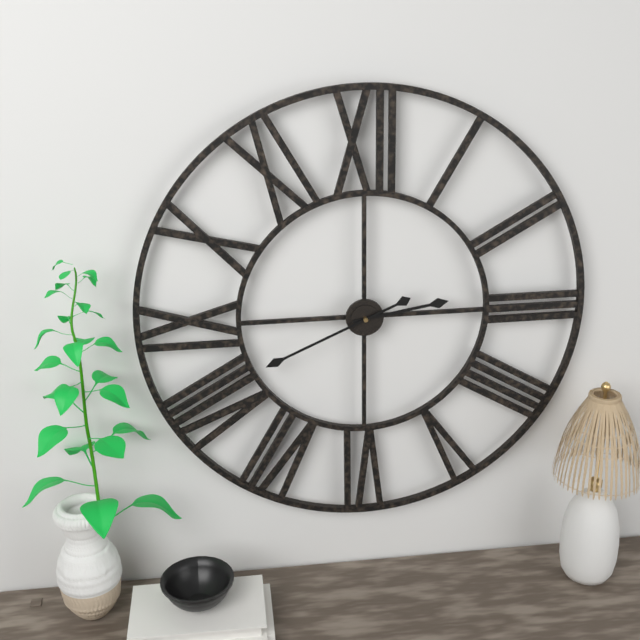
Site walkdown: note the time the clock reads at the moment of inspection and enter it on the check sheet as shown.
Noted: 2:41
